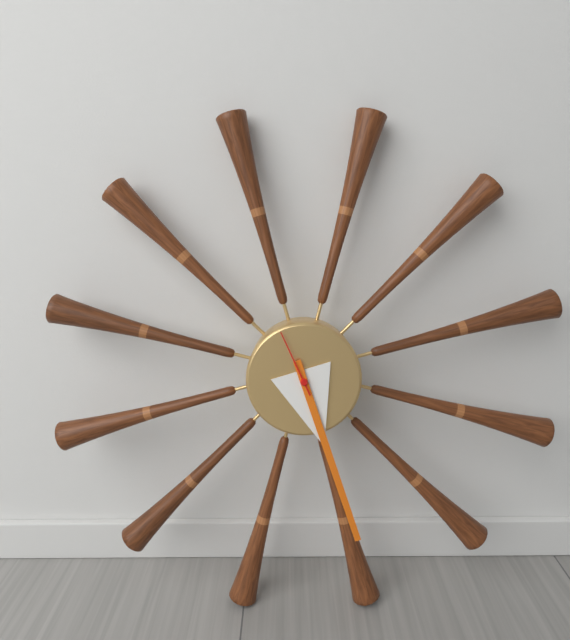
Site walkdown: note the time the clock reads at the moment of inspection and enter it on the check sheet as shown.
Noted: 5:27:56
